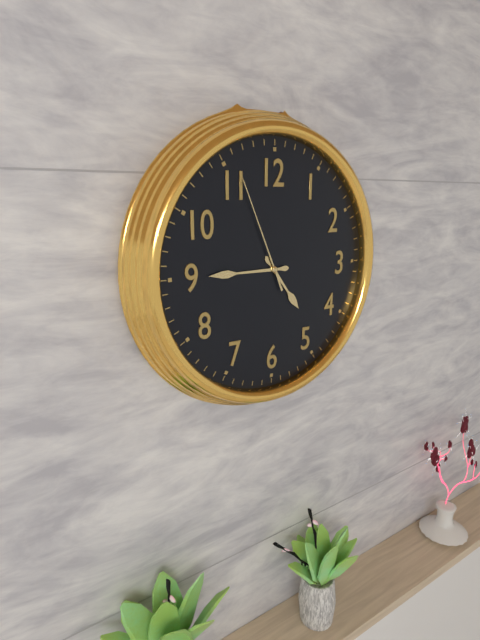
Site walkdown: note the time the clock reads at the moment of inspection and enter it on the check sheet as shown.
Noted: 4:45:56
